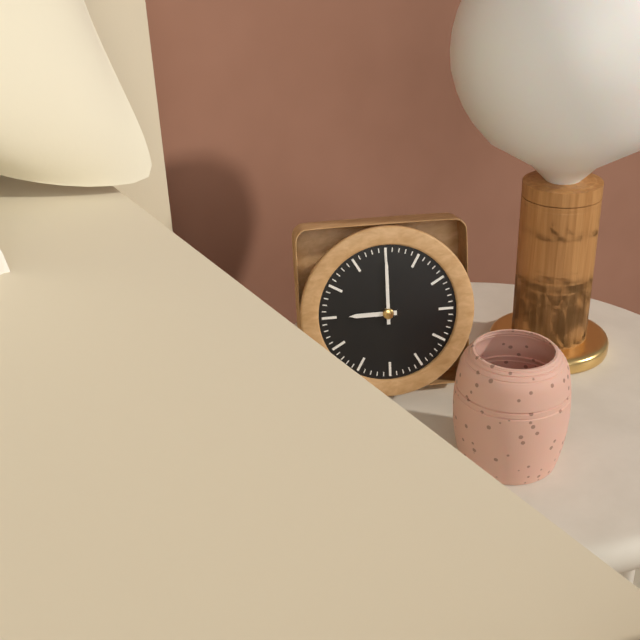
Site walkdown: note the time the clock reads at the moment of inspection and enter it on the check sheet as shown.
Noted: 9:00
